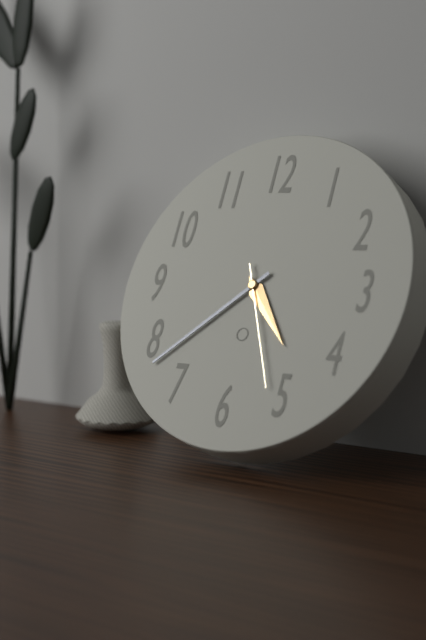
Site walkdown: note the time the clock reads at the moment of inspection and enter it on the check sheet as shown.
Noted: 4:38:26
